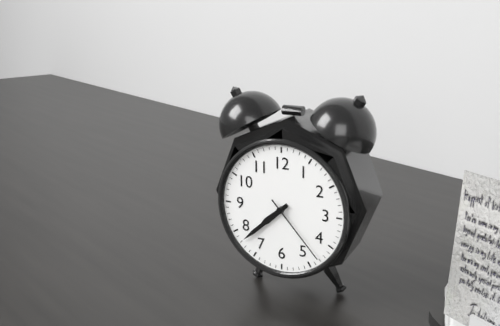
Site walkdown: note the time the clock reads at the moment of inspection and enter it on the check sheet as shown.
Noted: 7:38:23
